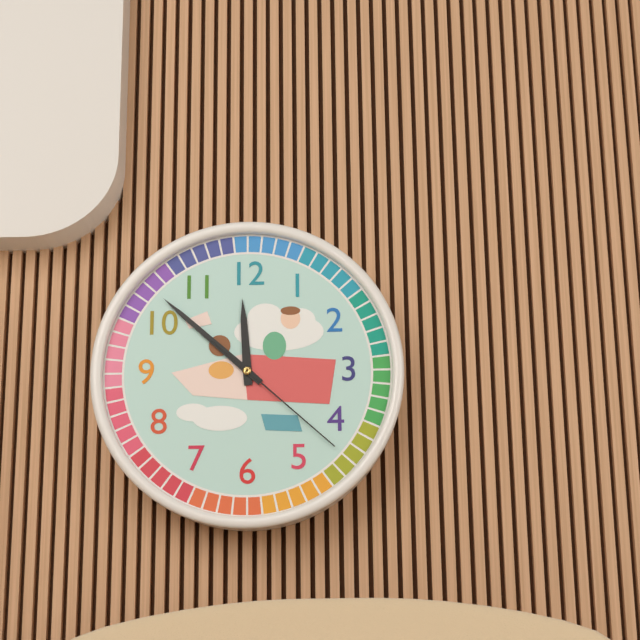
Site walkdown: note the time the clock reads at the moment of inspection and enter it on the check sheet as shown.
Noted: 11:52:22
